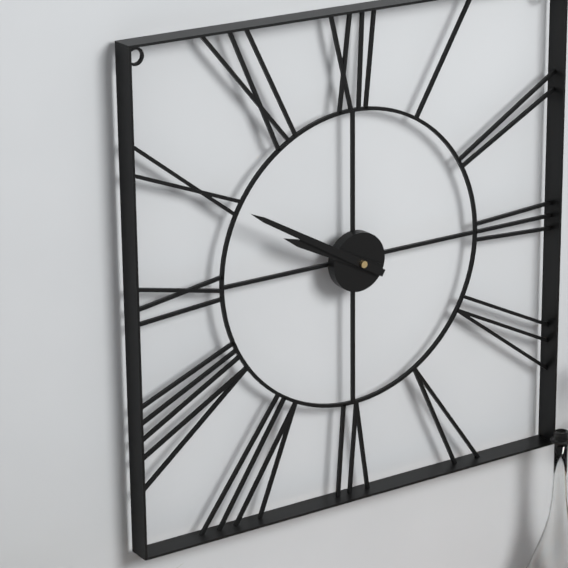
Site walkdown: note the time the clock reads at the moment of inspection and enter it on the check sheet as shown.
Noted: 9:50
